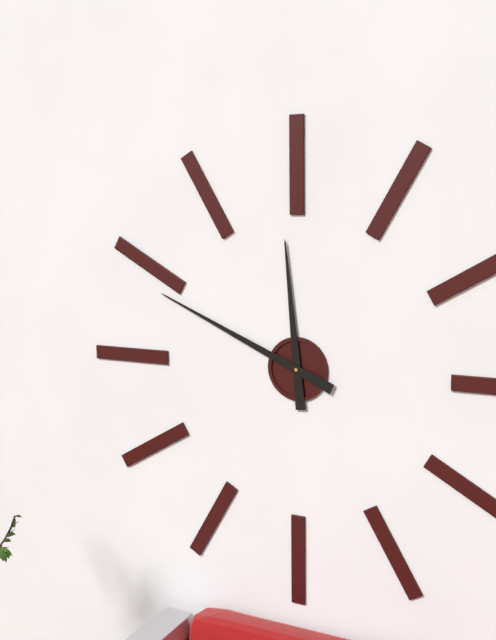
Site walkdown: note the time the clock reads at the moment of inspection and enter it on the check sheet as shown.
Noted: 11:49
